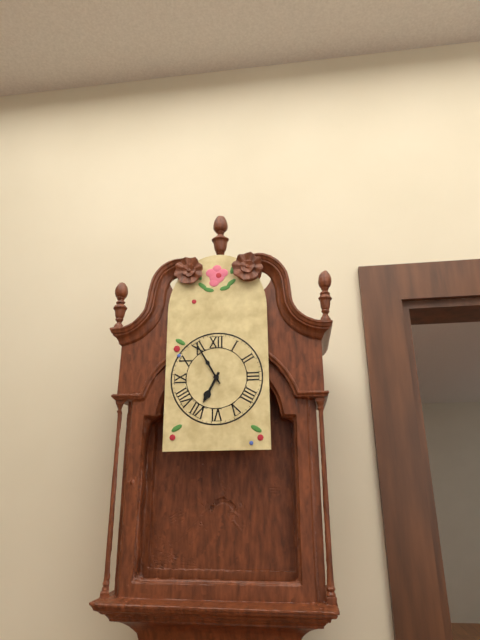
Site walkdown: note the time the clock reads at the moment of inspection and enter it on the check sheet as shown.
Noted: 6:55
